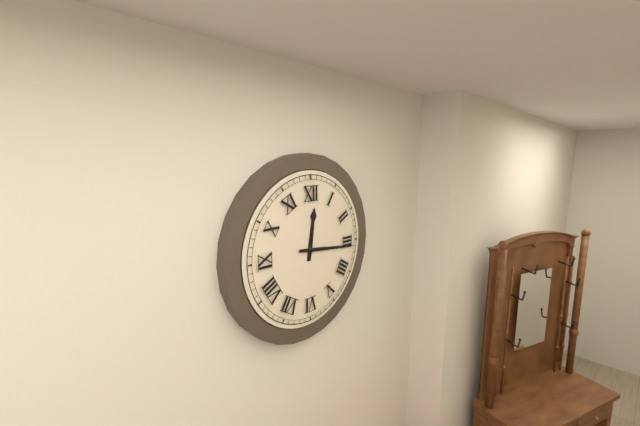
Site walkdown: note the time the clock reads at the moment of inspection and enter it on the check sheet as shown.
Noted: 12:16
